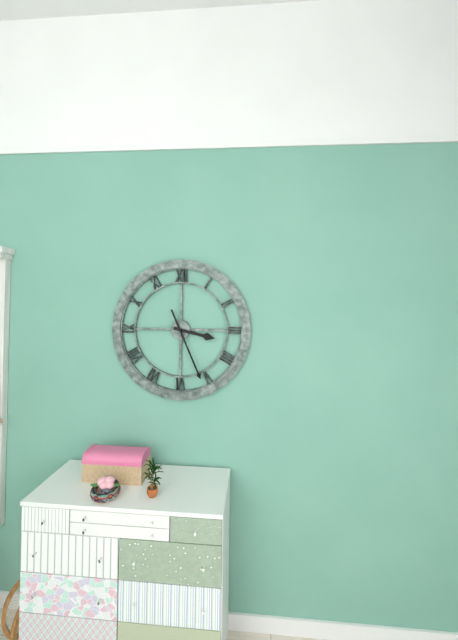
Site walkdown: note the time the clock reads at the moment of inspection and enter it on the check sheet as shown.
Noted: 3:26
